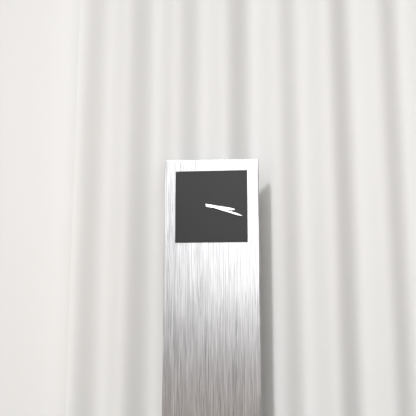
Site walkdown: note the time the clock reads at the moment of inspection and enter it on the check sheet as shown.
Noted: 3:18
